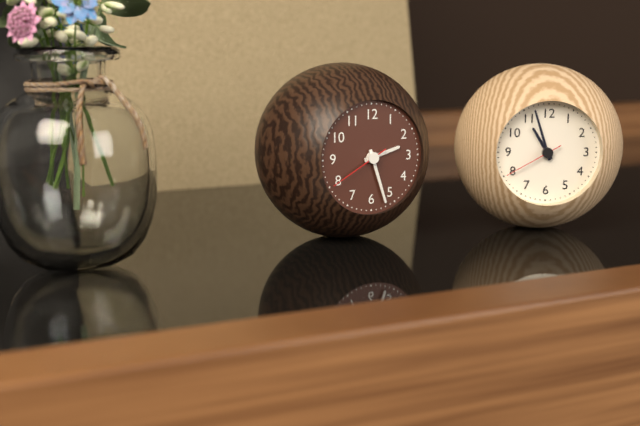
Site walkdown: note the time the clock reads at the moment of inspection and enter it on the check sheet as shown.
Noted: 2:27:40
